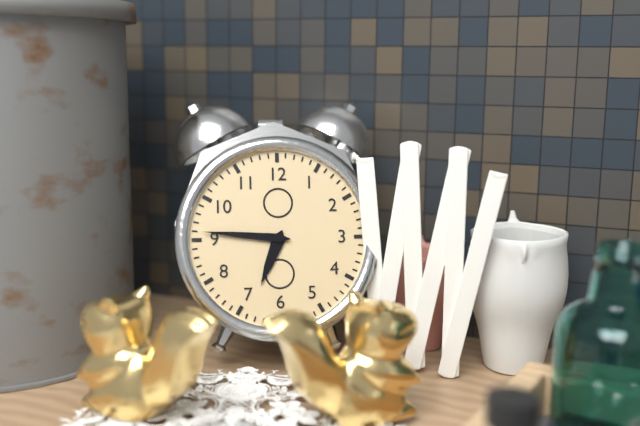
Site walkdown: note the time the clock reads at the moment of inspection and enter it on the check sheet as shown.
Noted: 6:46
